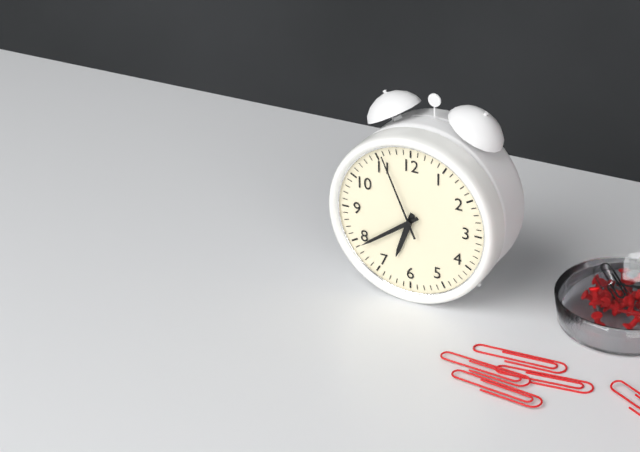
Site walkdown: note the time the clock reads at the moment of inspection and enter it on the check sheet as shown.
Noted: 6:39:56
